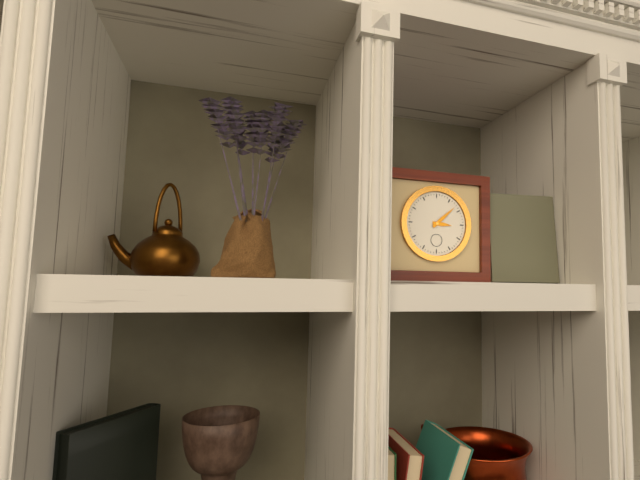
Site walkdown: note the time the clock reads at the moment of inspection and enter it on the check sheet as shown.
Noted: 3:08
